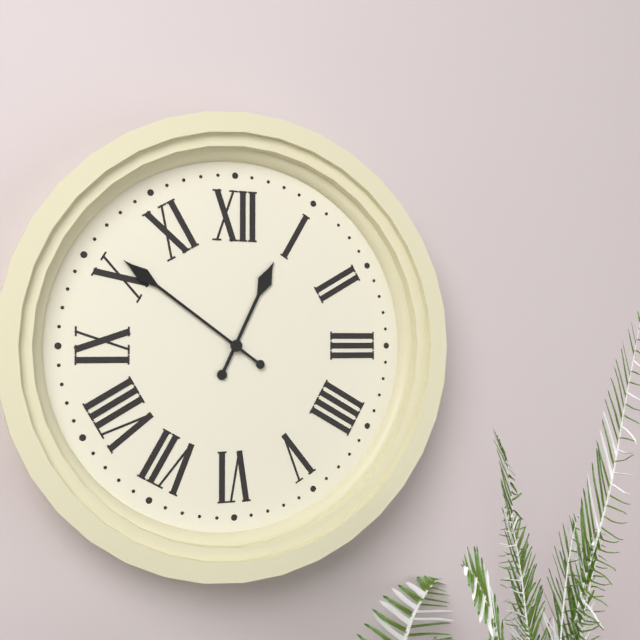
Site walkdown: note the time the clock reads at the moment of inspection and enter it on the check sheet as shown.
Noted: 12:51
